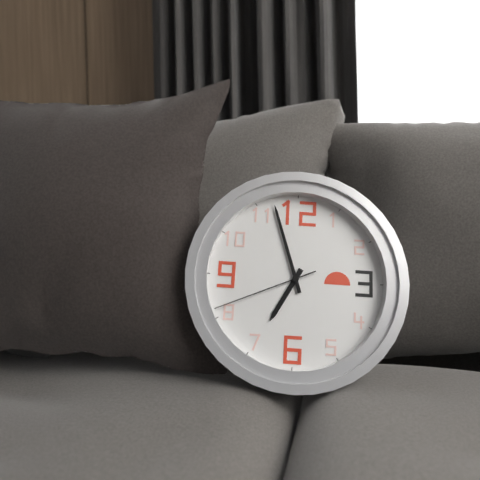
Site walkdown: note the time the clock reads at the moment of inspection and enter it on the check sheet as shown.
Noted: 6:57:41
